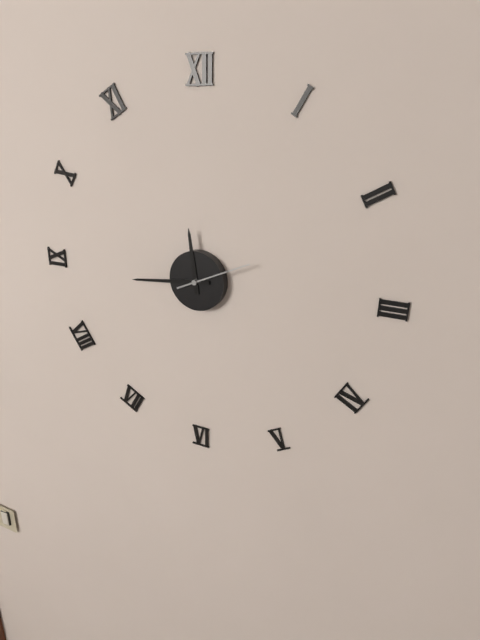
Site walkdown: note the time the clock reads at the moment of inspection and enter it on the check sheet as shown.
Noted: 11:44:11
